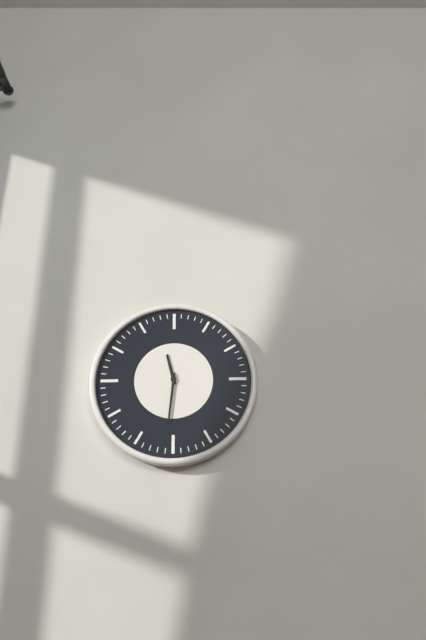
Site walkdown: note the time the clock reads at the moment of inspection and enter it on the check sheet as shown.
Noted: 11:31
